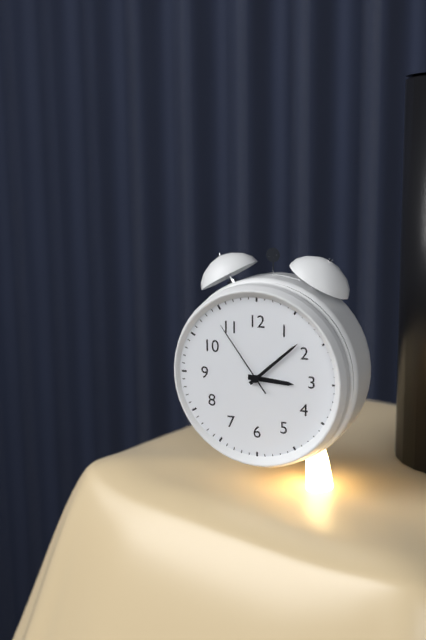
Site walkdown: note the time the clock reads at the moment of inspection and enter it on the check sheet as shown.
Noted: 3:08:54
